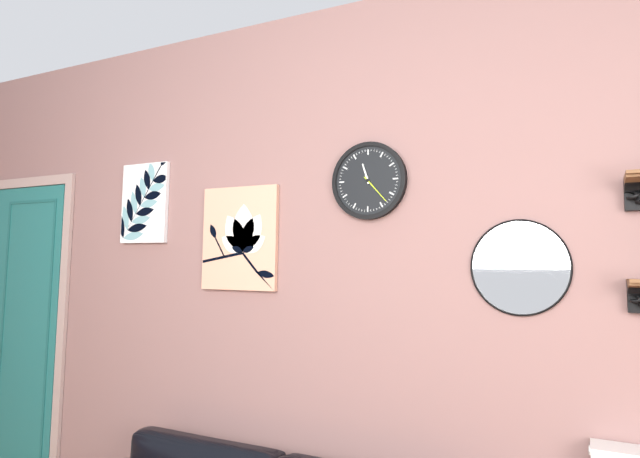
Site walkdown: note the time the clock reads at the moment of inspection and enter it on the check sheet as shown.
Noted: 11:23
